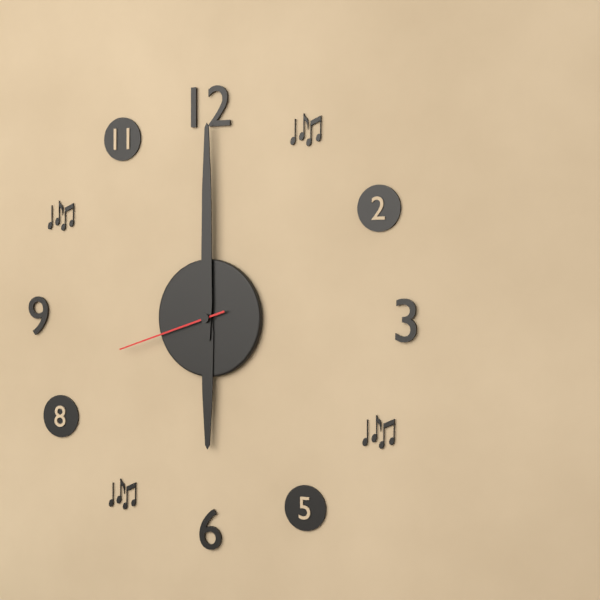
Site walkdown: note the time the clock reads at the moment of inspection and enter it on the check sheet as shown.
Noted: 6:00:42
